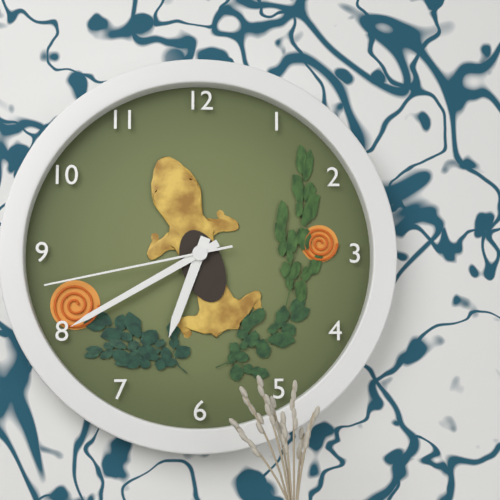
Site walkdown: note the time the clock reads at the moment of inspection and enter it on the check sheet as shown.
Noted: 6:40:43
